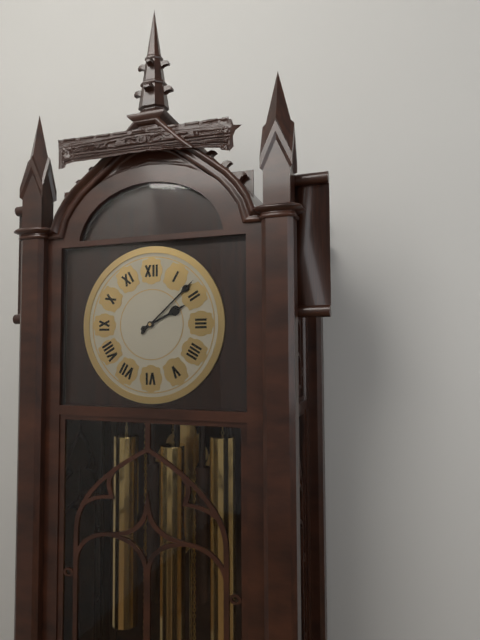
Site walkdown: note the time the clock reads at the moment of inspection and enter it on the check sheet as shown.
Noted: 2:08
